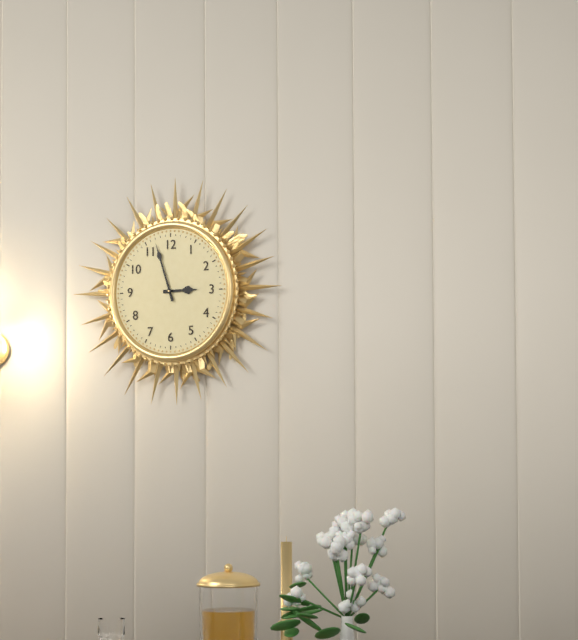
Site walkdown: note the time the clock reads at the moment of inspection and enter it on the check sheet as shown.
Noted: 2:57
